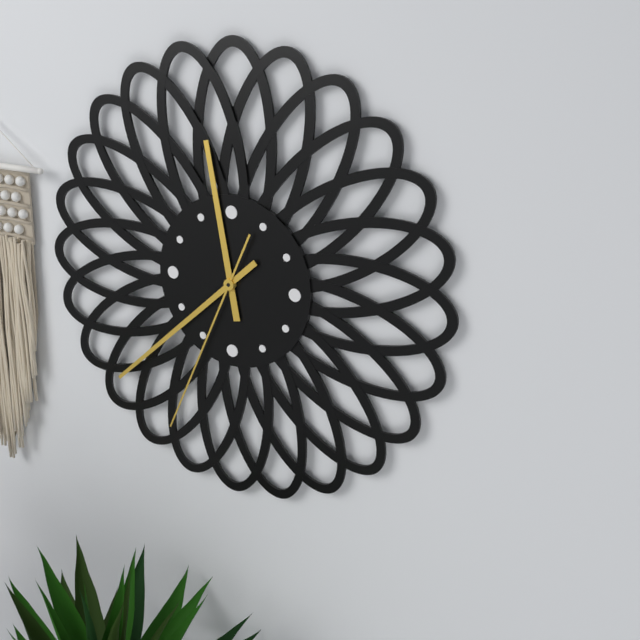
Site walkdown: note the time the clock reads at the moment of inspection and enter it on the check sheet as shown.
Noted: 11:38:34
